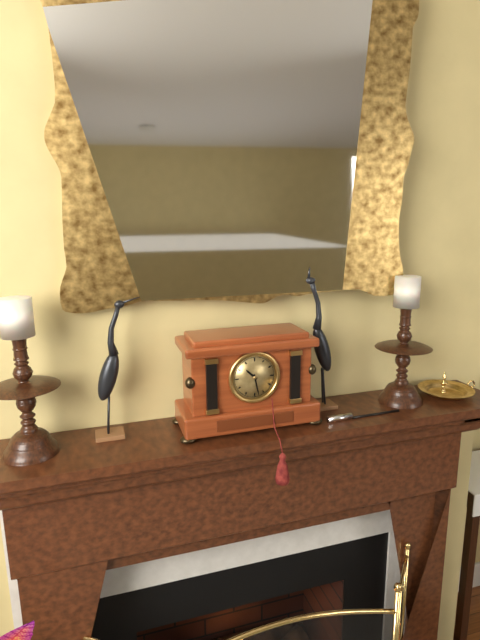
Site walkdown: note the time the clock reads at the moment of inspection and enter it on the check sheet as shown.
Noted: 10:28
